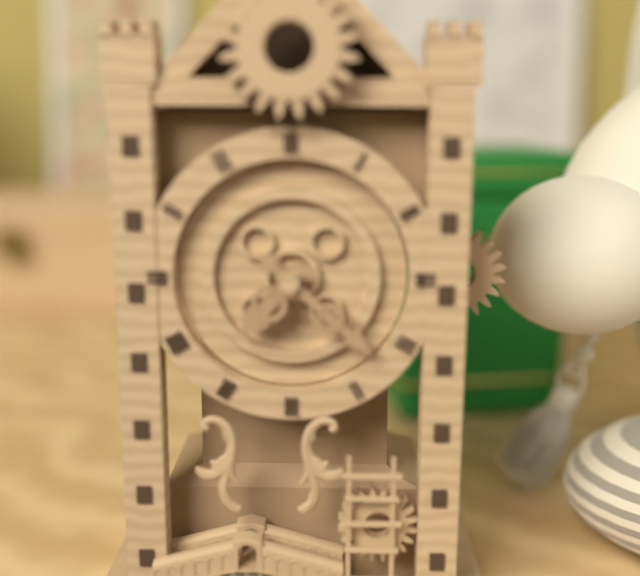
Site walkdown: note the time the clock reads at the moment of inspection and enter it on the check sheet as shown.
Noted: 7:22
